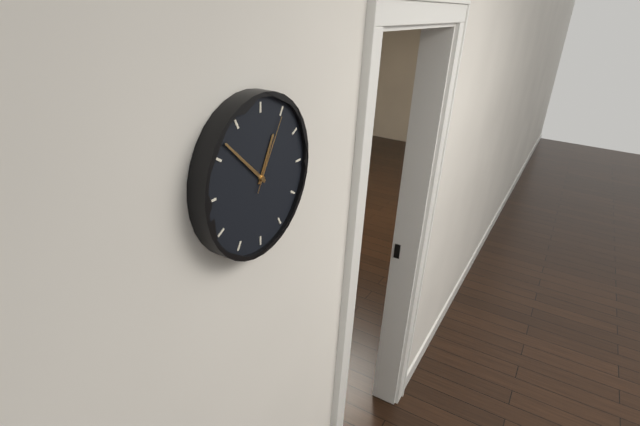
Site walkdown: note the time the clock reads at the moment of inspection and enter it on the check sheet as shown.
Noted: 12:52:05
